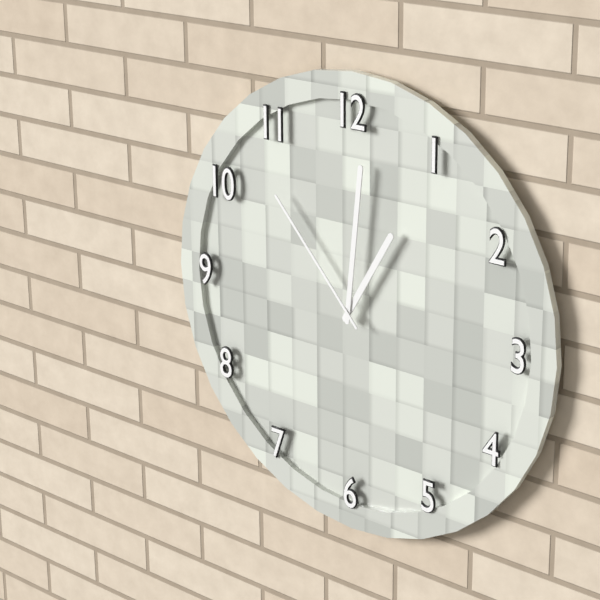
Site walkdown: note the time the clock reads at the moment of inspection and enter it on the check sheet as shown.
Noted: 1:01:53
